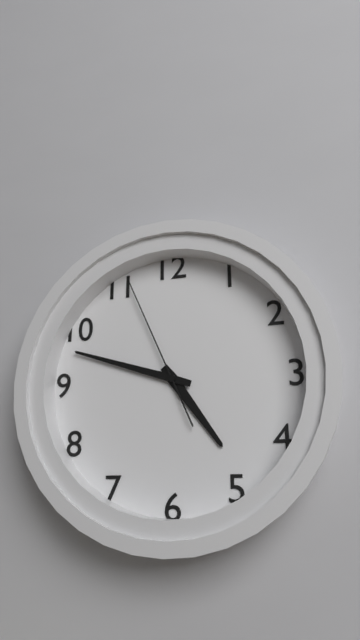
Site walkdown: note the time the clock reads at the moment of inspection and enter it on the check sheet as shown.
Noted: 4:48:56
